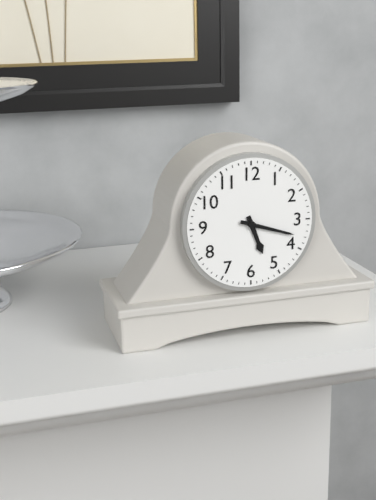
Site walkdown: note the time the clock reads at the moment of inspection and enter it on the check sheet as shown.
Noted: 5:18
